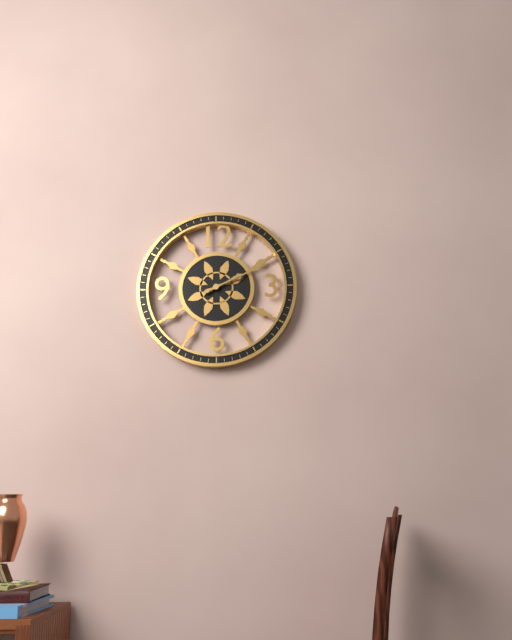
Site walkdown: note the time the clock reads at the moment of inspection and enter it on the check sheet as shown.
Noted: 2:11
